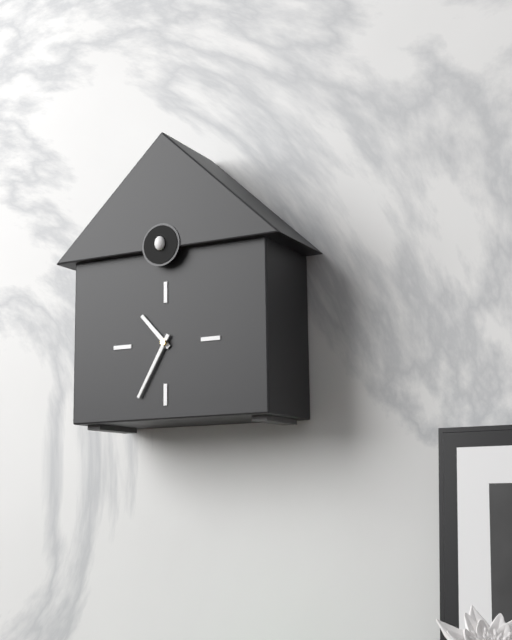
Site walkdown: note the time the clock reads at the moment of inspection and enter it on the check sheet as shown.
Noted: 10:35
